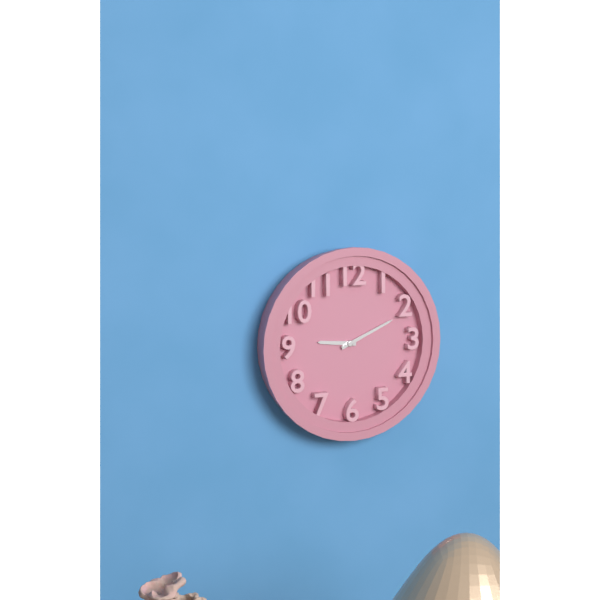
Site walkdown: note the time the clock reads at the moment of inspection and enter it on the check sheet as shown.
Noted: 9:11
